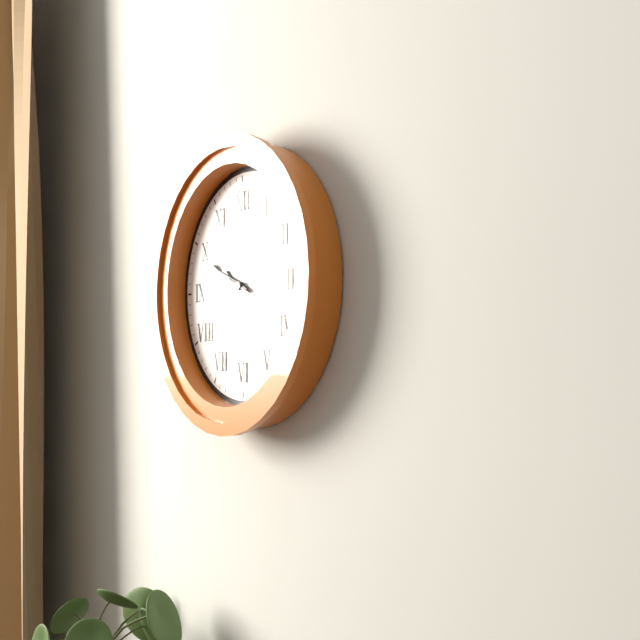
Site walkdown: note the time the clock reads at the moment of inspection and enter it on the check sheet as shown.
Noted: 9:49:19
